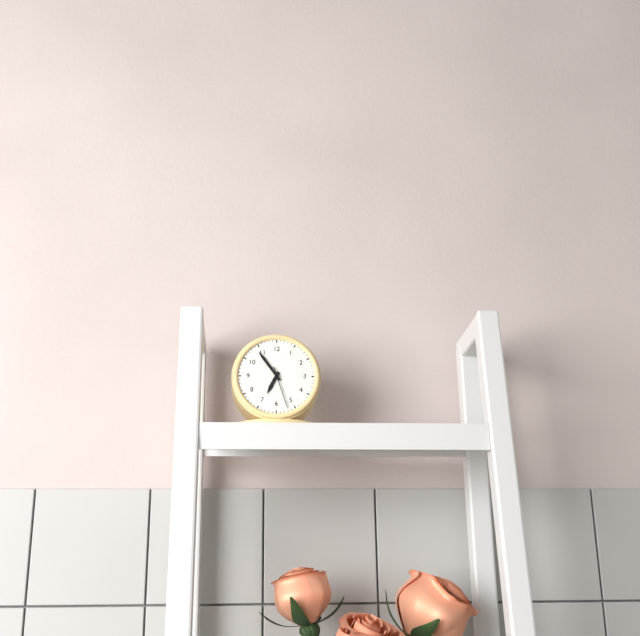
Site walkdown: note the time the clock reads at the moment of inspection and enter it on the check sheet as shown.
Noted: 6:54
